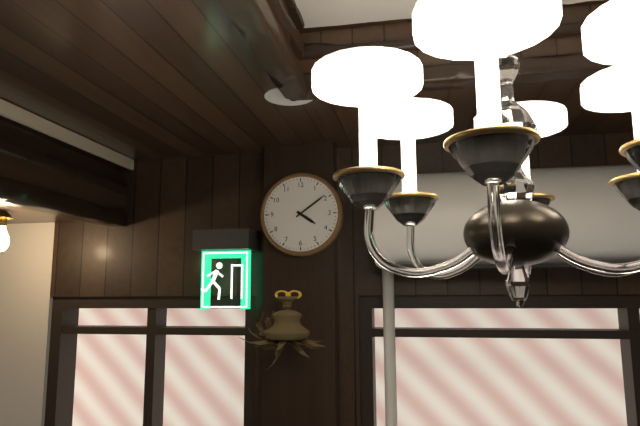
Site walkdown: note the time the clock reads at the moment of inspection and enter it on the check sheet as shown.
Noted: 4:09
